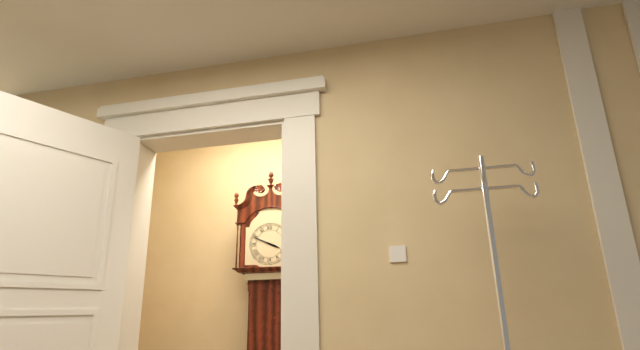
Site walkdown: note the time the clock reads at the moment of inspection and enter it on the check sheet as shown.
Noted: 3:49
